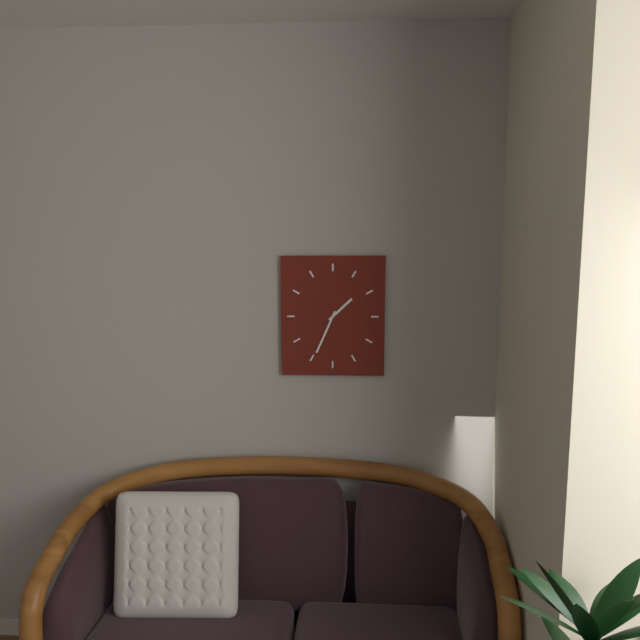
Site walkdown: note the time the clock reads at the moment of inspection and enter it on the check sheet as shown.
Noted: 1:34
